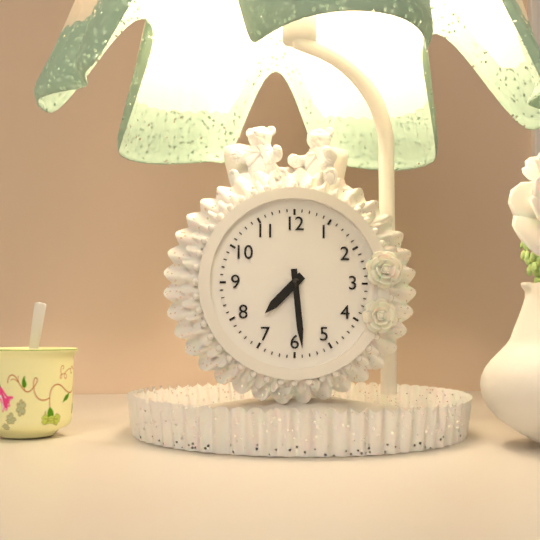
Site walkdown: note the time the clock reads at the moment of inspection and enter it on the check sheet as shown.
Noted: 7:29
